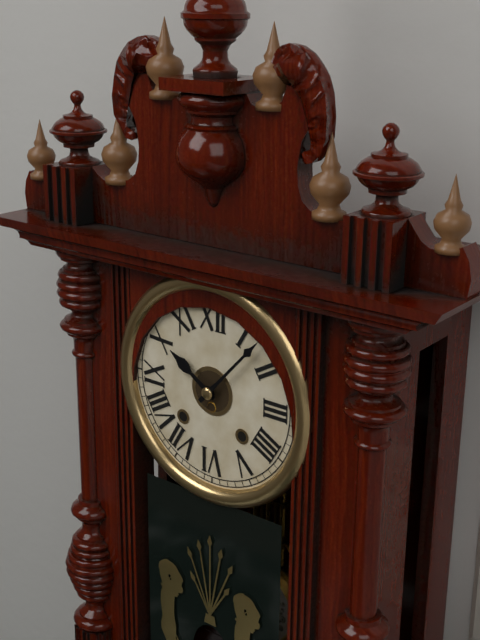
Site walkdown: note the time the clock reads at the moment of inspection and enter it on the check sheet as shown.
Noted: 10:07
